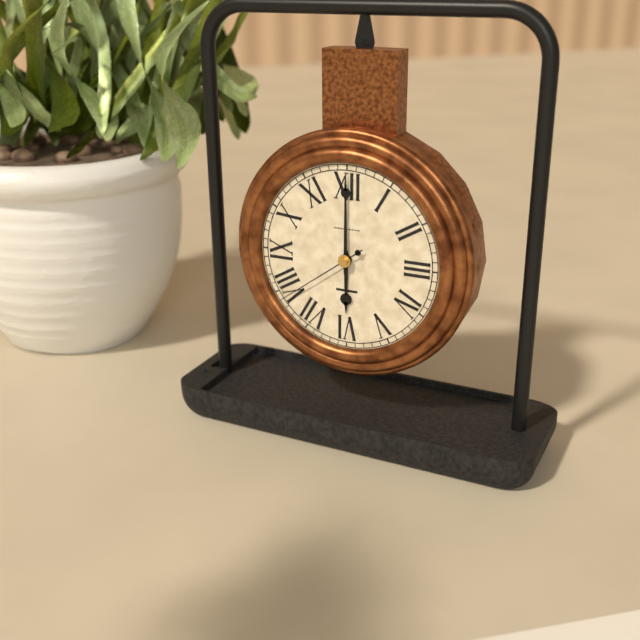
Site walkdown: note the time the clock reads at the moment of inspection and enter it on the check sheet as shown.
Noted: 6:00:39
